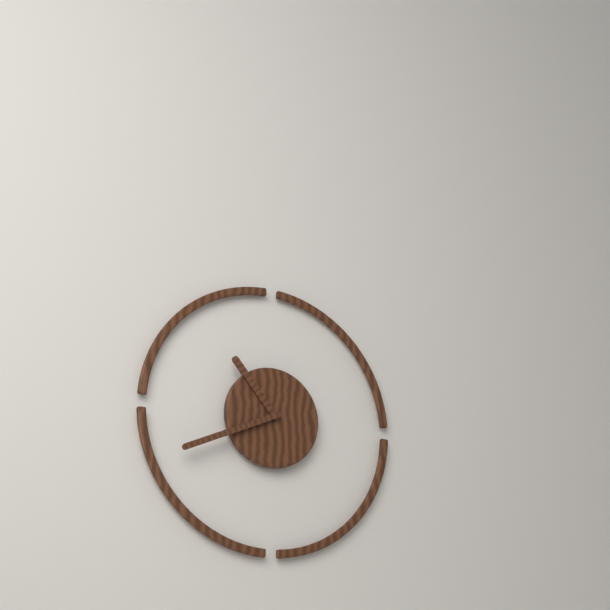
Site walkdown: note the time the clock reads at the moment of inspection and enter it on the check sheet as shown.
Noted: 10:41
